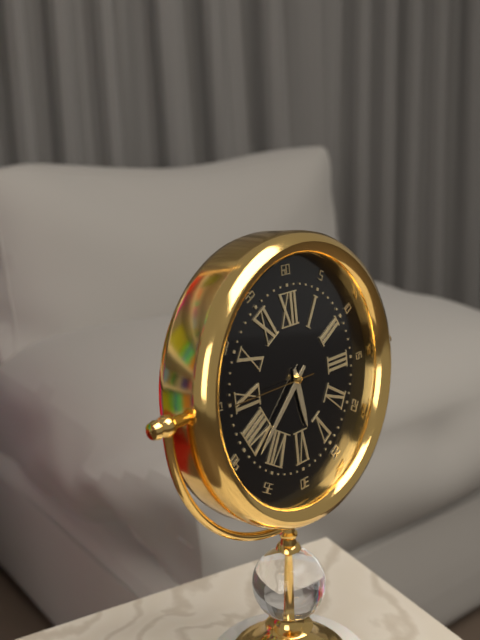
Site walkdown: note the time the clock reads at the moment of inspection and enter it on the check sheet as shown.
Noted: 5:38:45
